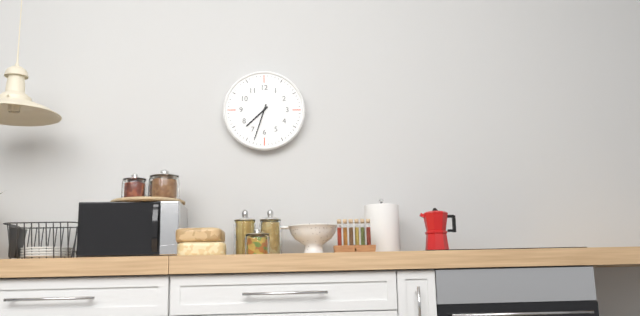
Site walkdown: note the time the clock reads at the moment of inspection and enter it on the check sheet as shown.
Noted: 7:33
